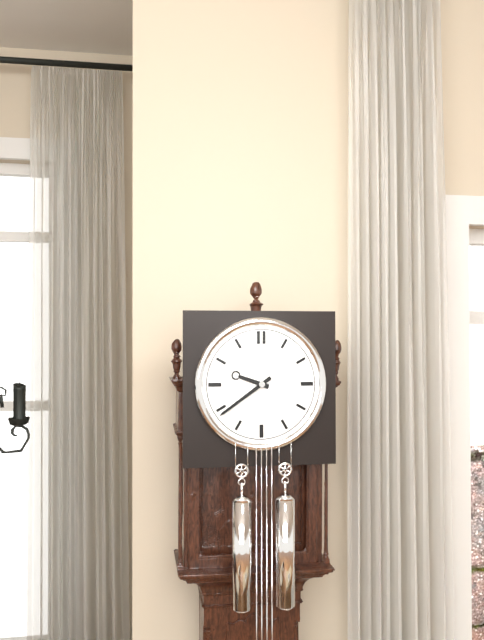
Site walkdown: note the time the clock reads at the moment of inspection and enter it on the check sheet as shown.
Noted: 9:39
